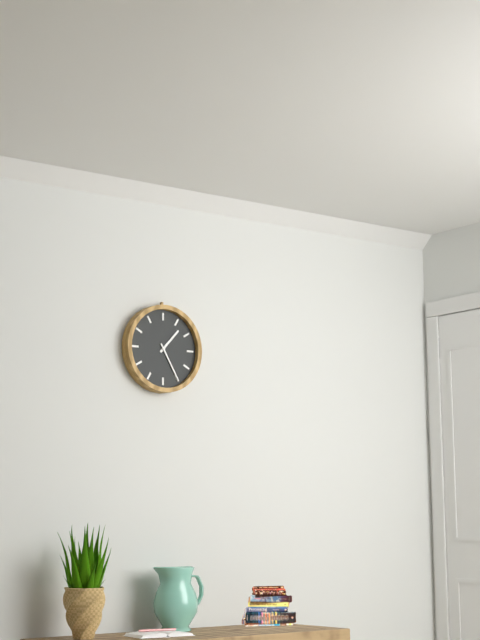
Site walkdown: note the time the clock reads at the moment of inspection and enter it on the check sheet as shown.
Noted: 1:25
